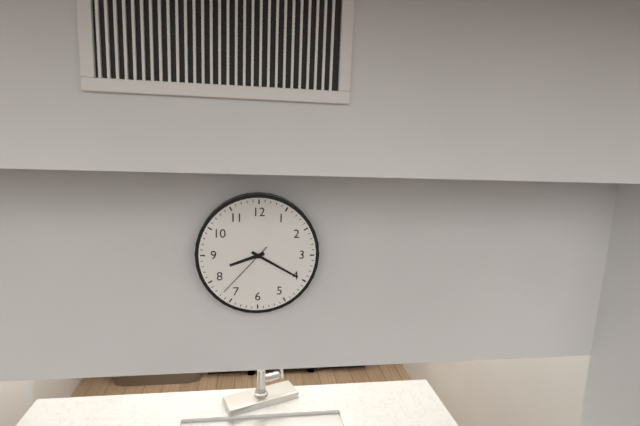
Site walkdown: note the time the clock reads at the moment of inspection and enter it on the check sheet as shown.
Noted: 8:20:37
